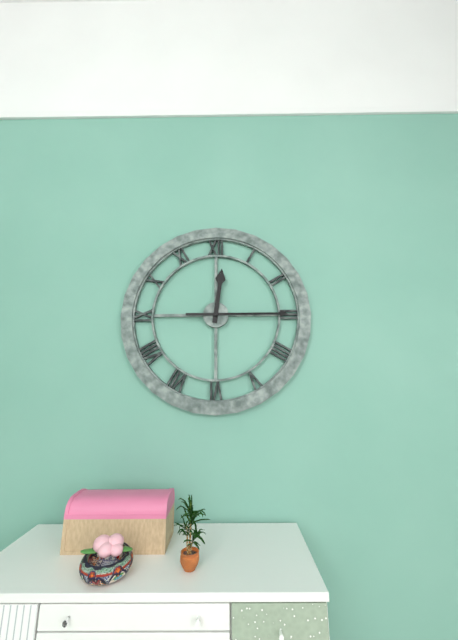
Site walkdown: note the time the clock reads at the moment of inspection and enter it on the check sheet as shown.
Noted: 12:15
